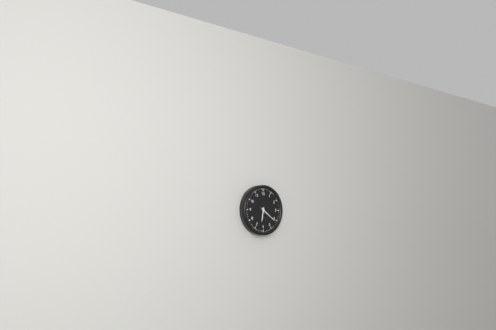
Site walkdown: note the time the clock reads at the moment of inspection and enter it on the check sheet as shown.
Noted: 6:21
